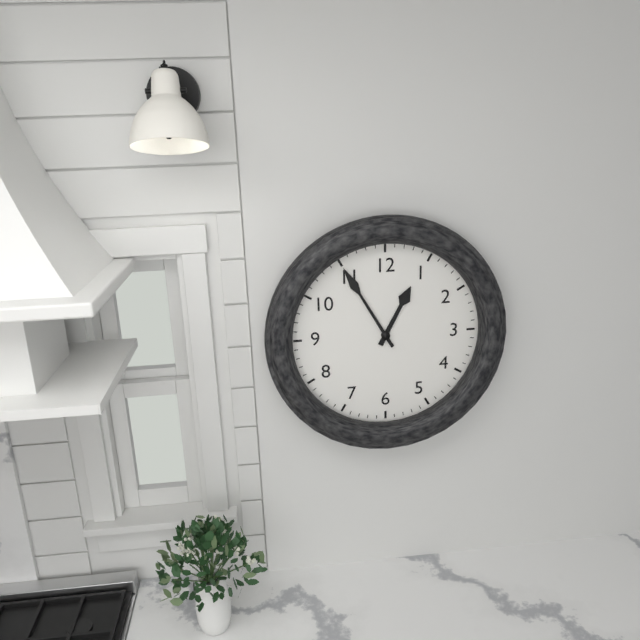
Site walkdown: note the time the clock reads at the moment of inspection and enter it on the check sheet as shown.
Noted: 12:55
